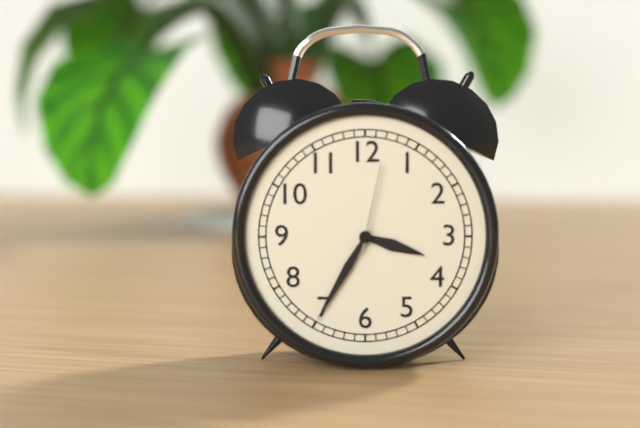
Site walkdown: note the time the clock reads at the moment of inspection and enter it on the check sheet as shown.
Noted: 3:35:02
